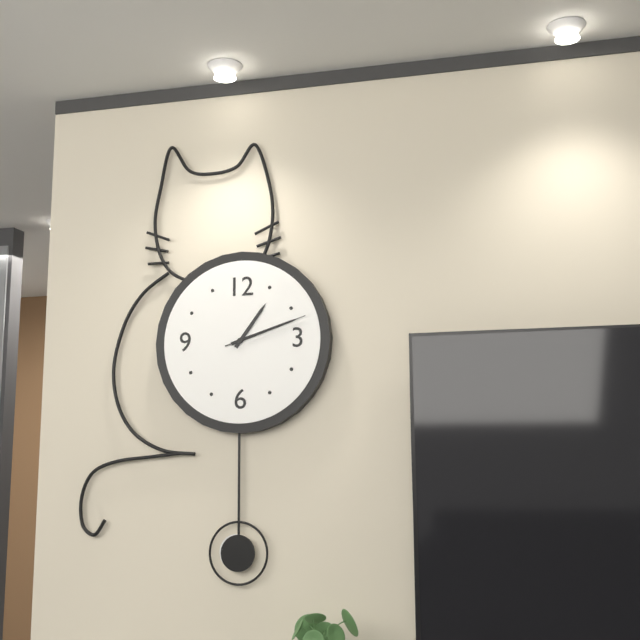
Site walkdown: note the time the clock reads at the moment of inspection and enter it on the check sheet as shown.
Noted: 1:12:12
